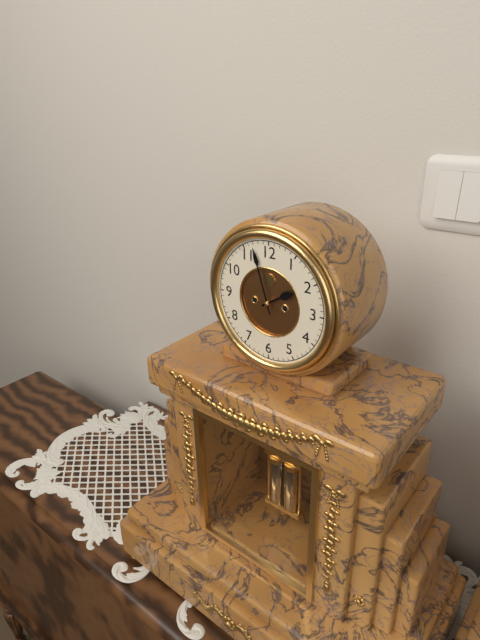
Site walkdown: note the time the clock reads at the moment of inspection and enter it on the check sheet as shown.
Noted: 1:57
